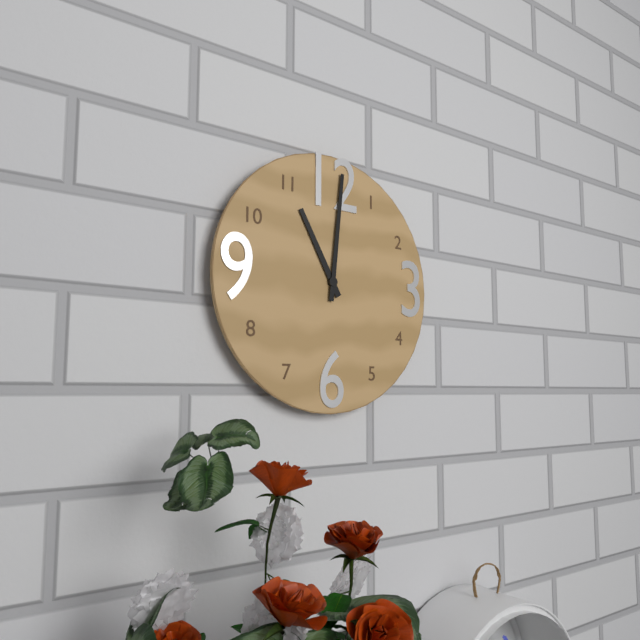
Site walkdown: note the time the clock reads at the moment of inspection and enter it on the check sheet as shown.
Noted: 11:01
